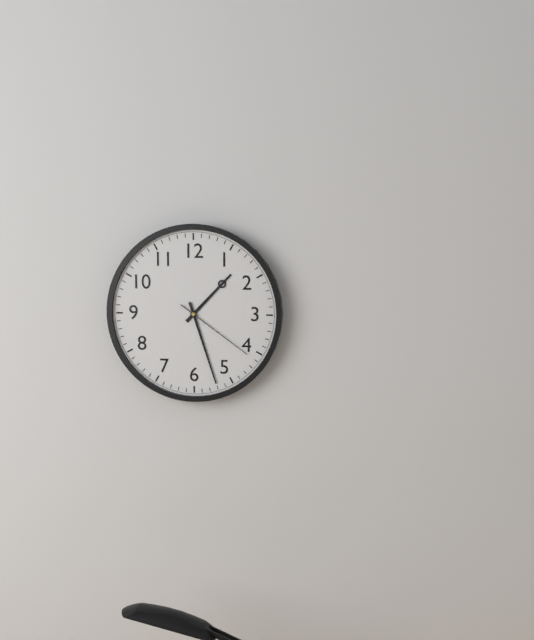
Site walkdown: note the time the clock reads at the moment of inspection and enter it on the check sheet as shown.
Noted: 1:27:21
